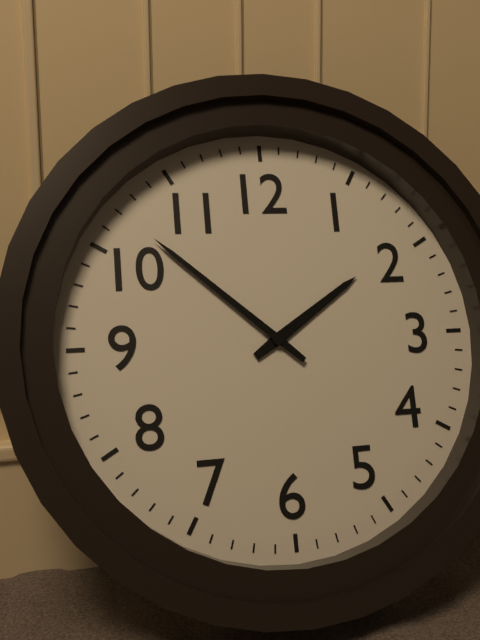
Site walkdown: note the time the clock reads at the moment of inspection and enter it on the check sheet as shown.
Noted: 1:52
